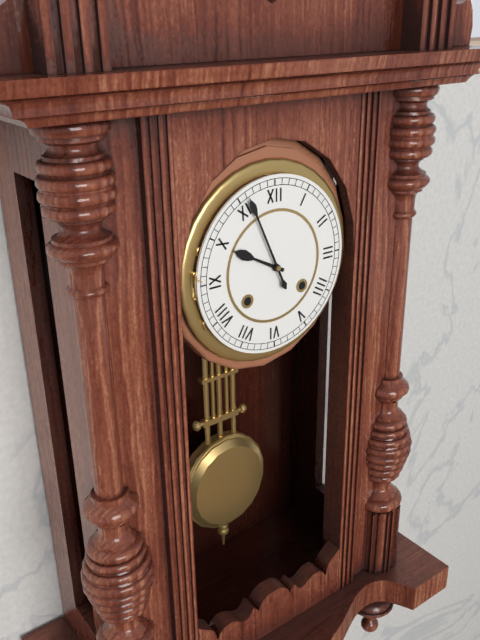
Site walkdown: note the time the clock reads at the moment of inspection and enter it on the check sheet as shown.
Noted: 9:56
